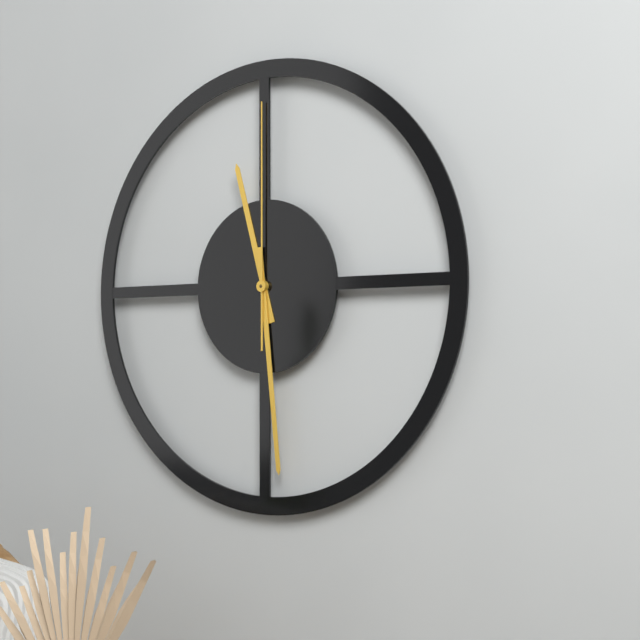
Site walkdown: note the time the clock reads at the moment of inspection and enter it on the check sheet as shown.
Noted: 11:29:00
